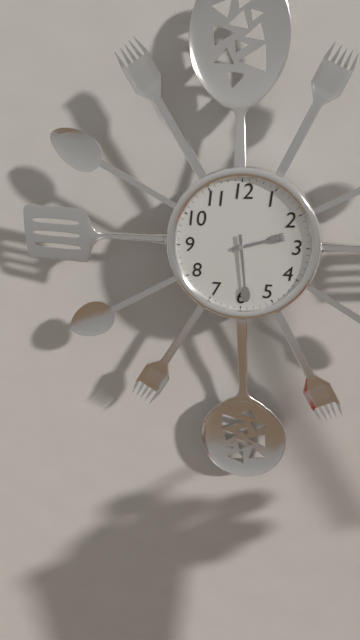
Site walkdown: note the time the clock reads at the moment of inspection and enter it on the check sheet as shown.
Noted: 2:29
